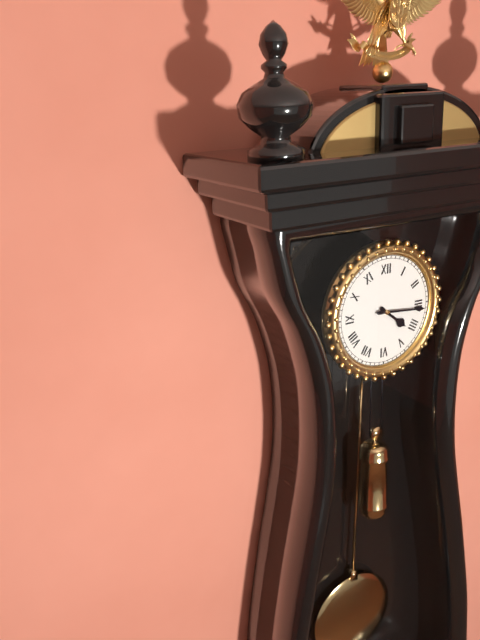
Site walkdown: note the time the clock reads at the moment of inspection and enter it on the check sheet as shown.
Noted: 4:16
